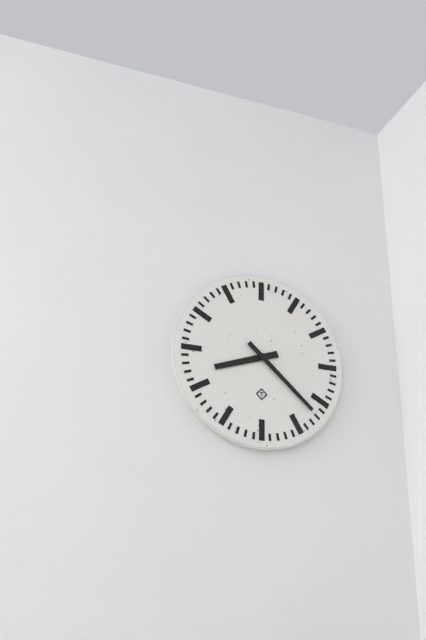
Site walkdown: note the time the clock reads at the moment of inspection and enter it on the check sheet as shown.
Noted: 8:22
